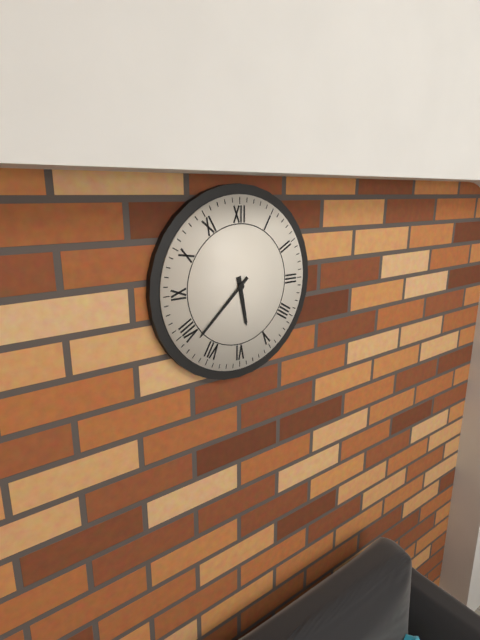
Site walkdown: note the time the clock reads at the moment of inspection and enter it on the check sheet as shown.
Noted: 5:38
